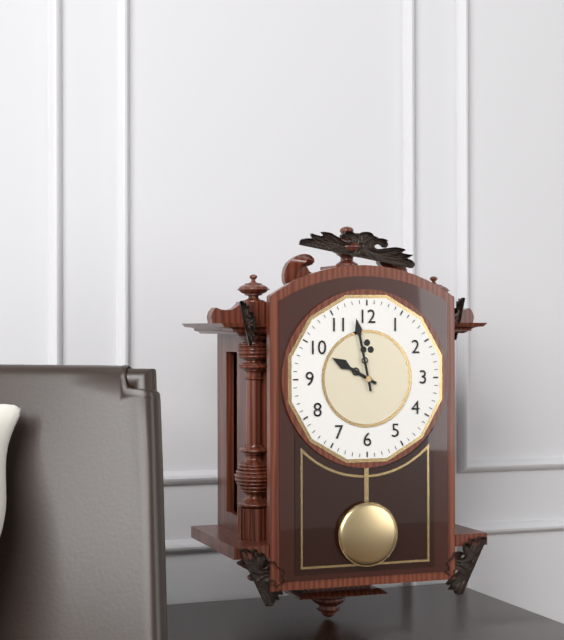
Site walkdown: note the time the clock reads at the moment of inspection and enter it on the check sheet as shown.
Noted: 9:58
